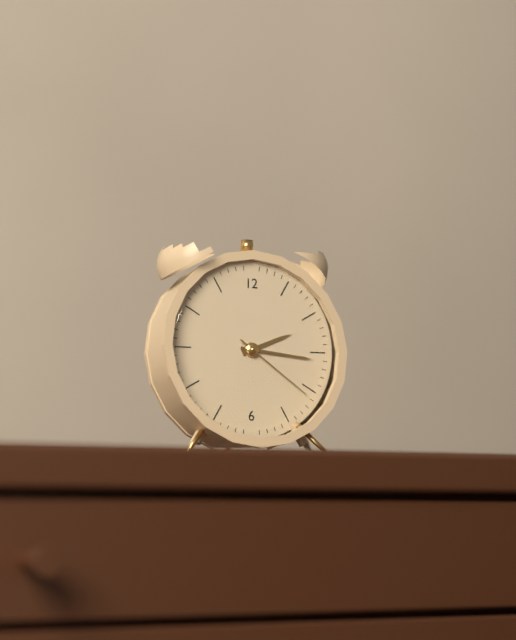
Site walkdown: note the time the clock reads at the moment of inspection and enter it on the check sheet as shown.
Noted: 2:16:21
